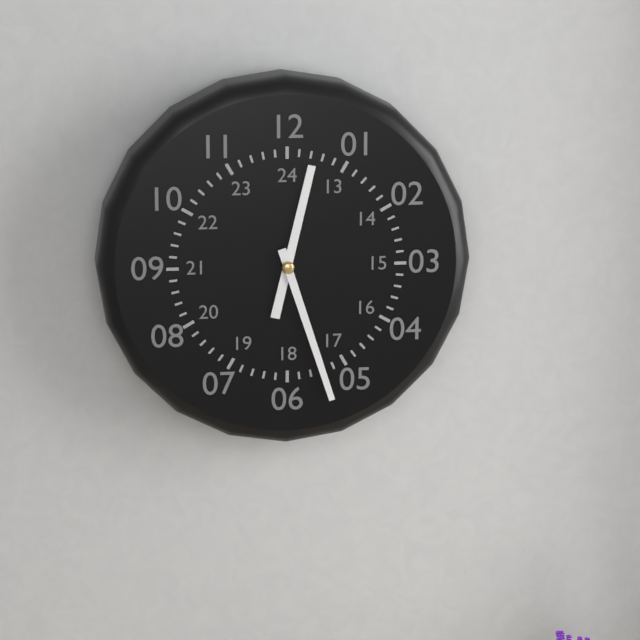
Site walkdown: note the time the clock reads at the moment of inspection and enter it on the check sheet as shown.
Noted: 12:27
